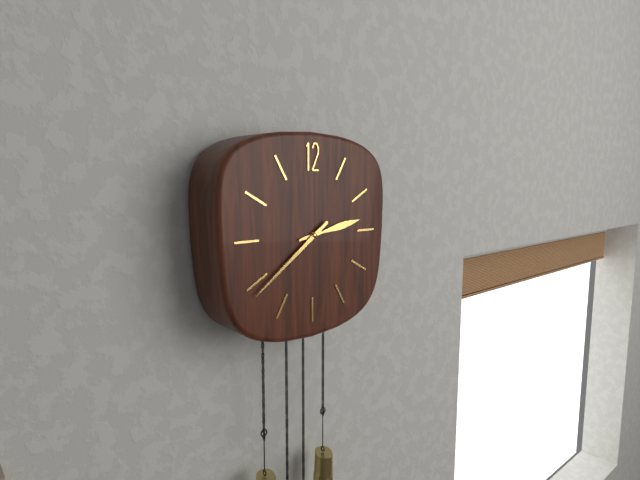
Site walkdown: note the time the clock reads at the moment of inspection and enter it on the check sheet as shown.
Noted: 2:39
